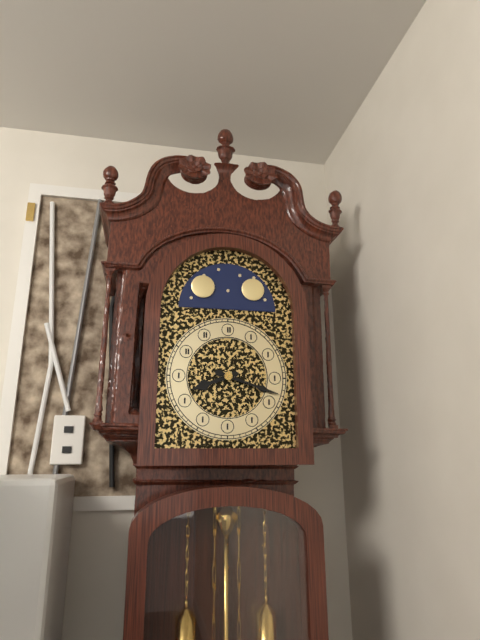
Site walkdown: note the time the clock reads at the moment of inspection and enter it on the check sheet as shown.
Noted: 8:18
